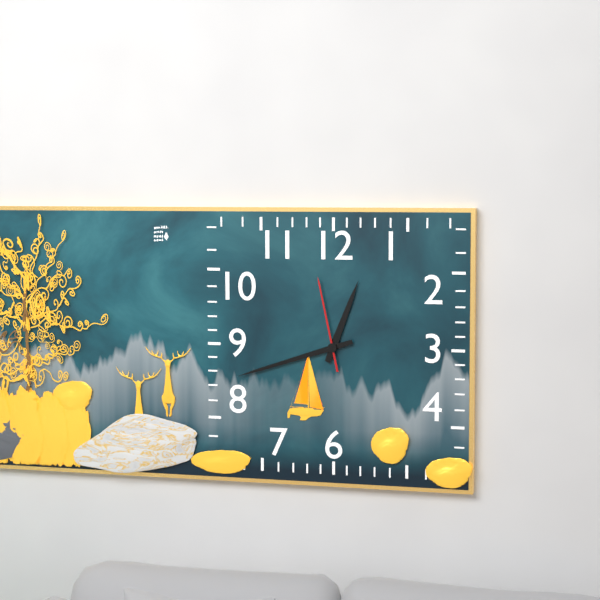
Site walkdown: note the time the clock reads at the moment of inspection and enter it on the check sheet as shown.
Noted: 12:42:58
